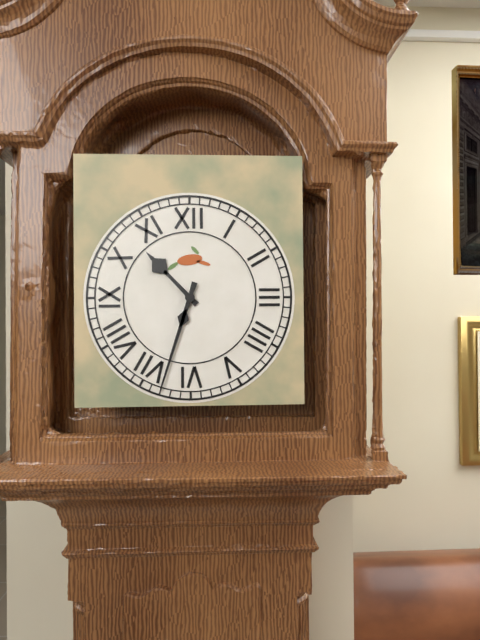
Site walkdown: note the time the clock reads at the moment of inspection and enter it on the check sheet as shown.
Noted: 10:33
